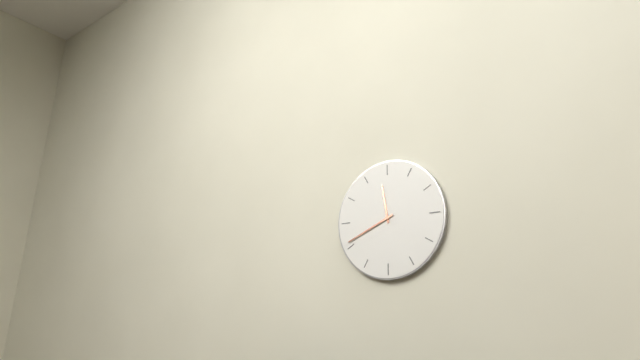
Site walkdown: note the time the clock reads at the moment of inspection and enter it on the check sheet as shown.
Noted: 11:41
